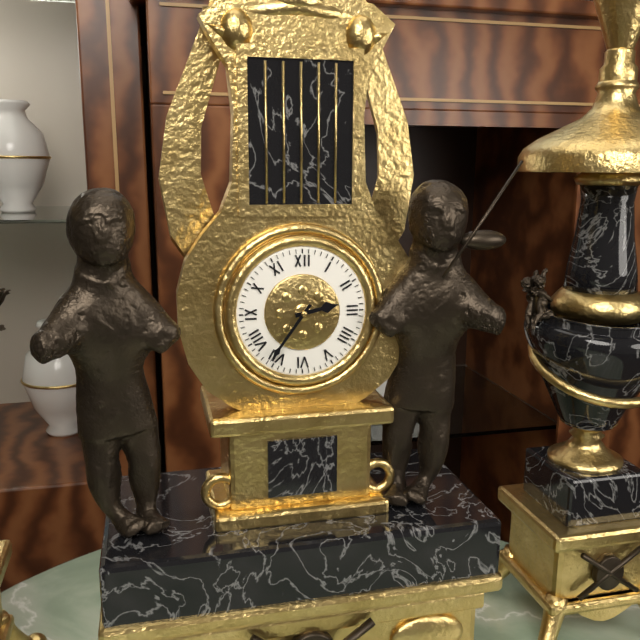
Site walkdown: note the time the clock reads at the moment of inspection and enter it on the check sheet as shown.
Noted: 2:36
